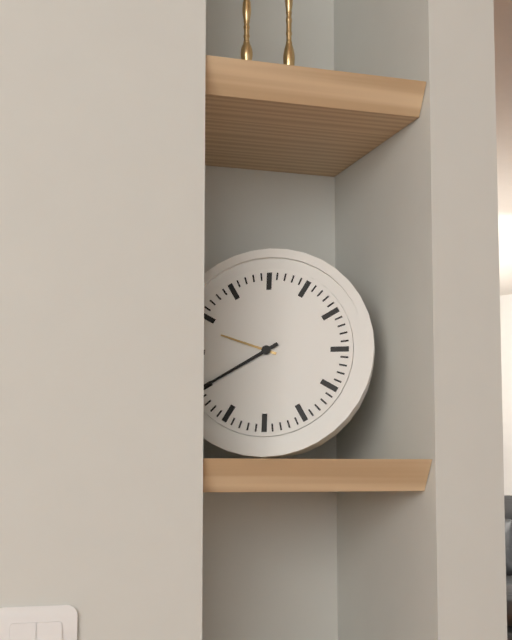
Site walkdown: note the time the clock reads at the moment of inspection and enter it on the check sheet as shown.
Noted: 9:40
